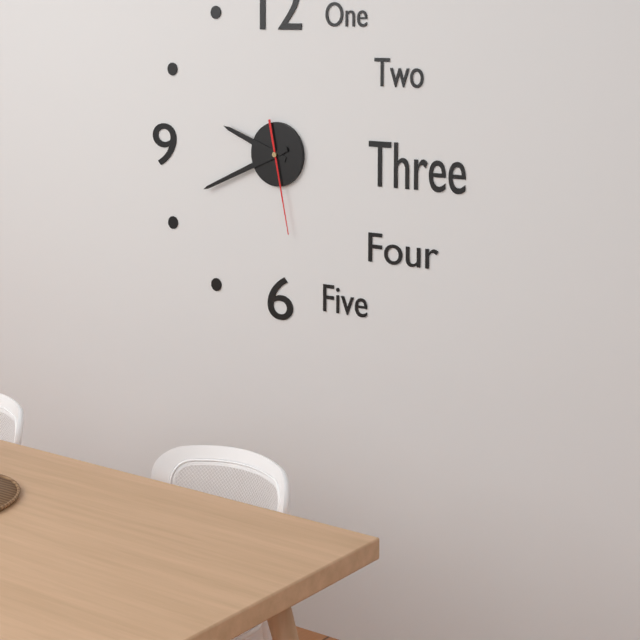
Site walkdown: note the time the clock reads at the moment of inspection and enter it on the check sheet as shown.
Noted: 9:41:28
